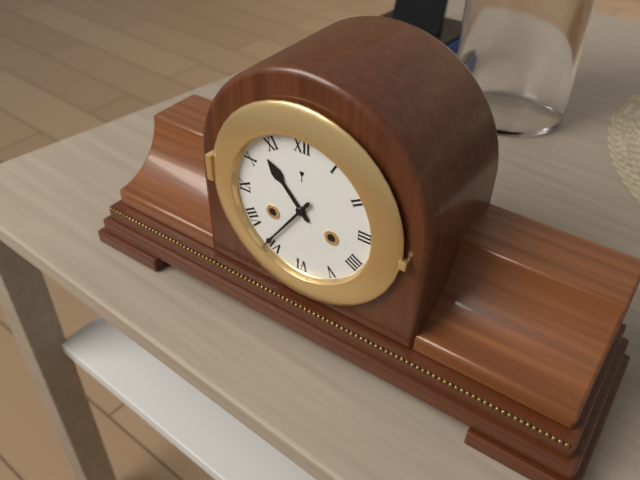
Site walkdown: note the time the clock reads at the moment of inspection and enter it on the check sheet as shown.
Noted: 10:36
